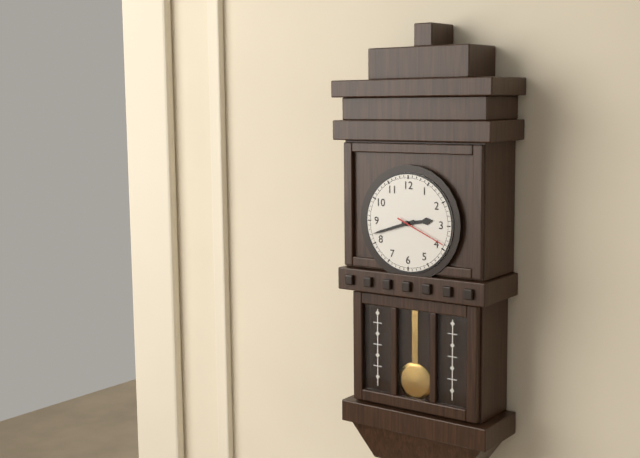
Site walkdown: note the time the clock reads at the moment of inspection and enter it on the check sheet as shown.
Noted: 2:42:19
